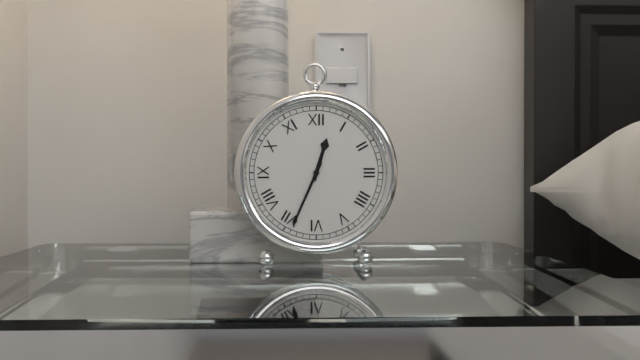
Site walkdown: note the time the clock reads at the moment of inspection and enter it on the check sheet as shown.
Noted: 12:34
